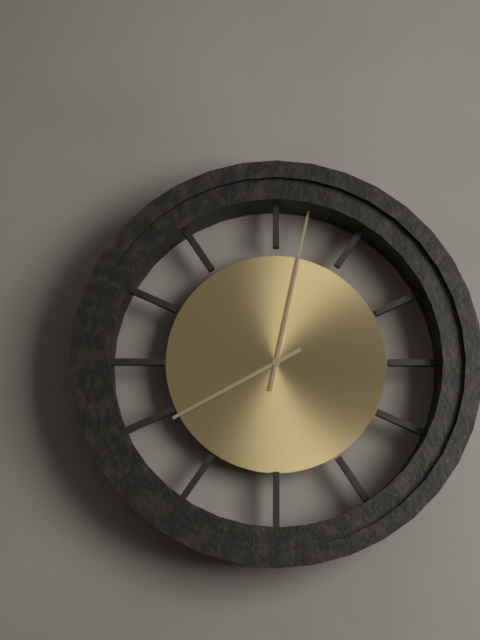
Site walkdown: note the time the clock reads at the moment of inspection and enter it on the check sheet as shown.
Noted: 8:02
